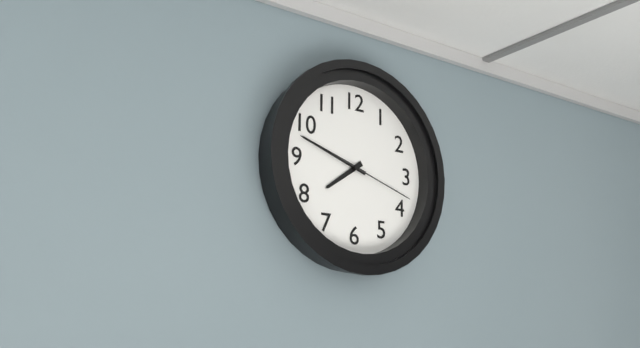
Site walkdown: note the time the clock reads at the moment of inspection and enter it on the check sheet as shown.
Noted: 7:48:18
